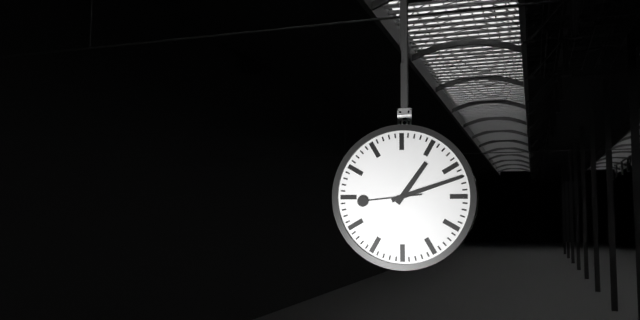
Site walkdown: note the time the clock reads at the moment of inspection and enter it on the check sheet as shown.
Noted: 1:12:44
